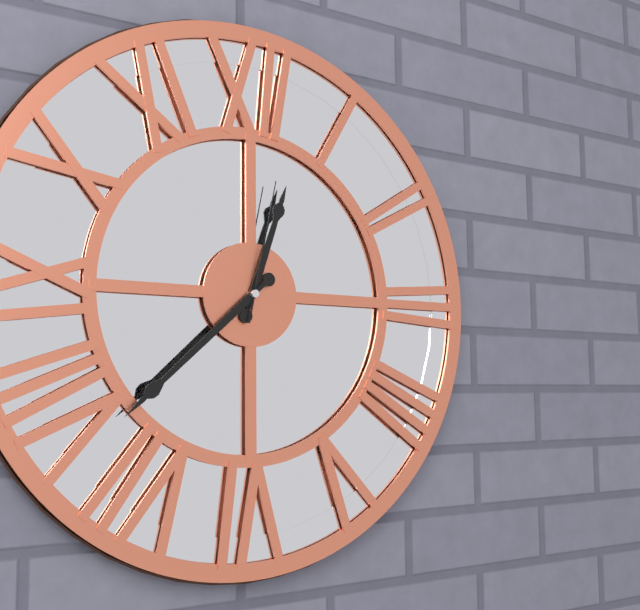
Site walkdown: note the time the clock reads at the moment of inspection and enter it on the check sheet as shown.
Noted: 12:38:02
